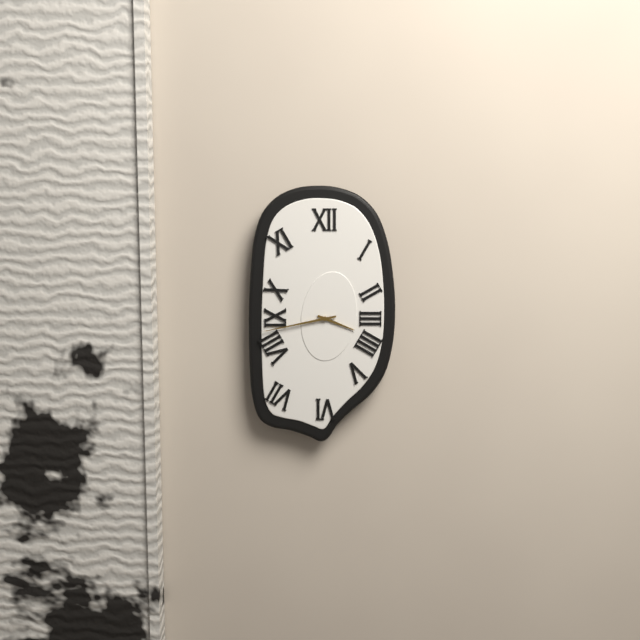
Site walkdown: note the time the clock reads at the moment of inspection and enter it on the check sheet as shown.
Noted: 3:43
